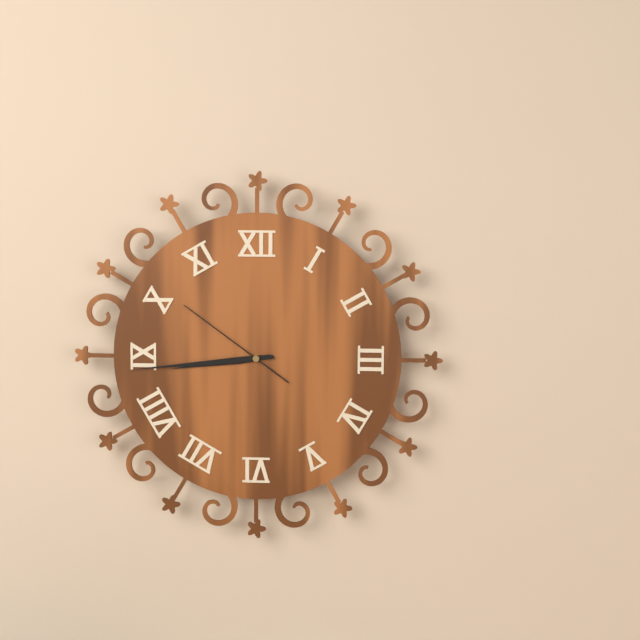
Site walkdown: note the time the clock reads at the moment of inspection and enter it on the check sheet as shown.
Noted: 8:44:51
